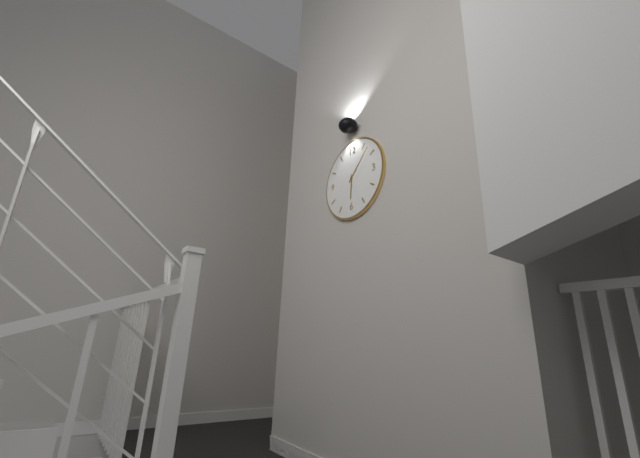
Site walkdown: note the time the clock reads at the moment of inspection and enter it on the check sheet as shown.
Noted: 6:07
